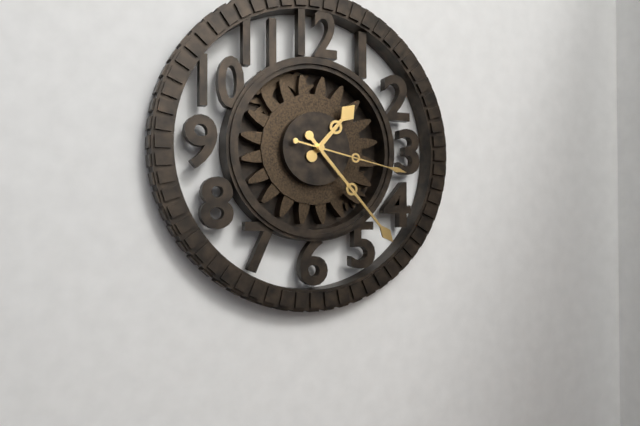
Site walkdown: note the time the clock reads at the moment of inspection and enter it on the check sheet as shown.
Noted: 1:23:17
